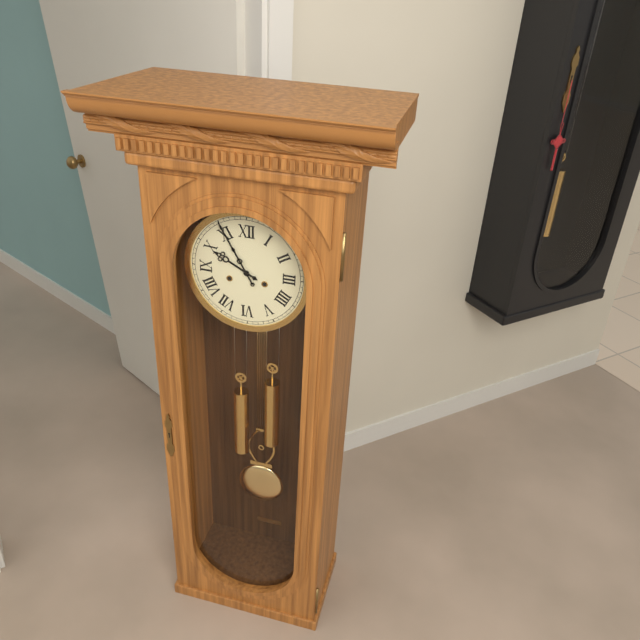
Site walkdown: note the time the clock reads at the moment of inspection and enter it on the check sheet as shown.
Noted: 9:55
